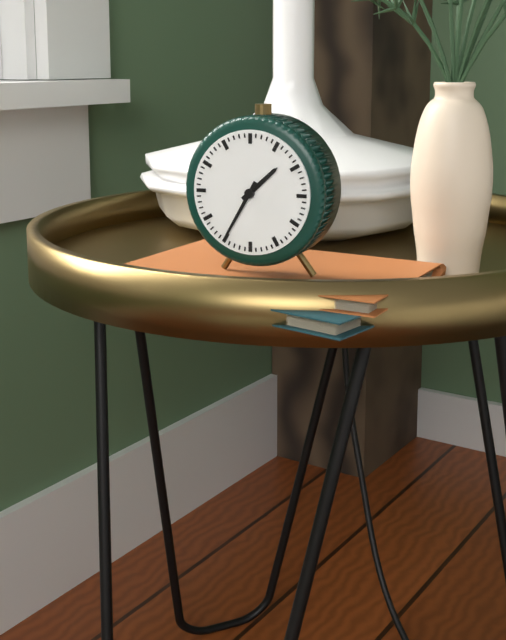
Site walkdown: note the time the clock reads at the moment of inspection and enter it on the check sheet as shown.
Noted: 1:35
